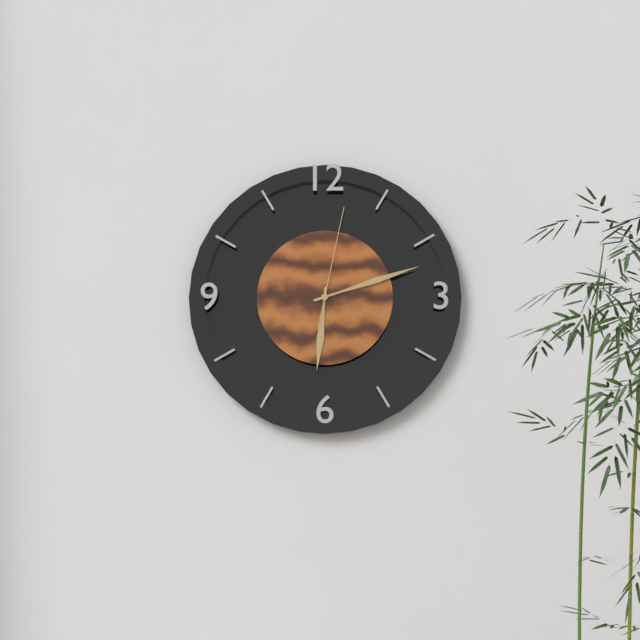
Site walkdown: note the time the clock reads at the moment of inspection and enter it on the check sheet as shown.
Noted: 6:12:02
